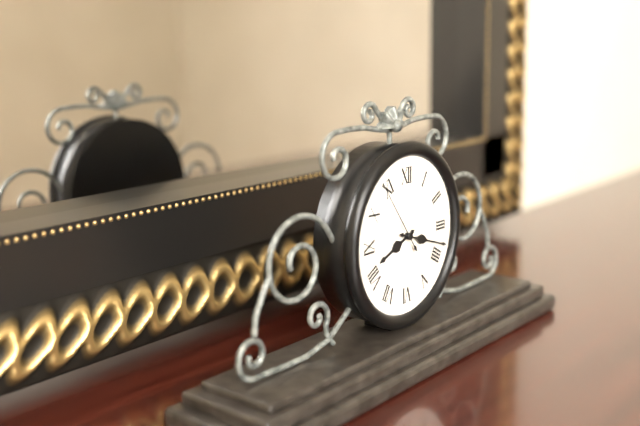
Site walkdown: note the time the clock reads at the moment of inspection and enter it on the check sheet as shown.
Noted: 8:18:54
